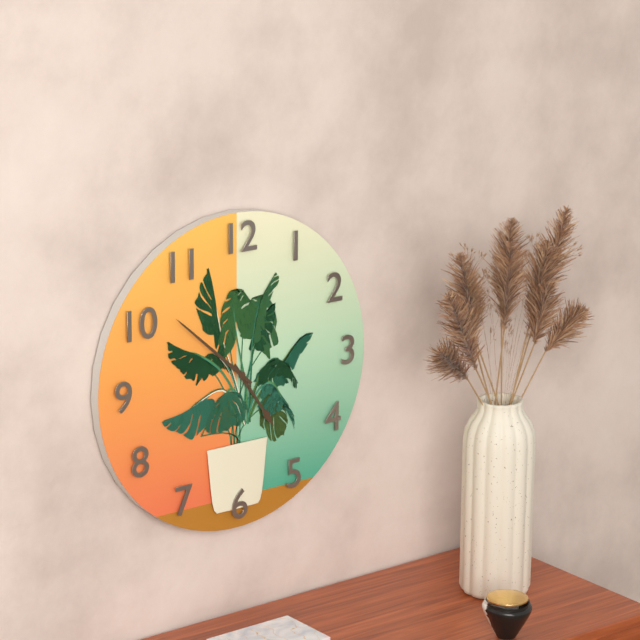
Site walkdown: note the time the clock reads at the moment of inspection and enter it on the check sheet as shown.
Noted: 4:52
